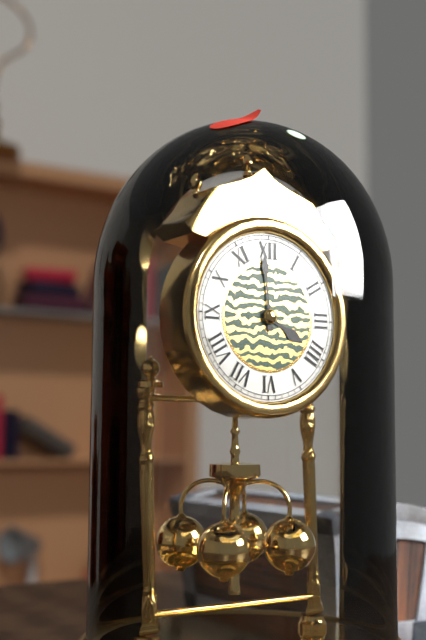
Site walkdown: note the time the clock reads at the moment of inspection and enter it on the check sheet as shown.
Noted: 3:59
